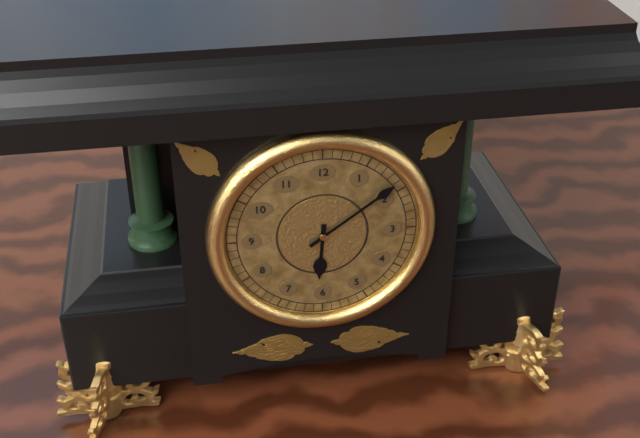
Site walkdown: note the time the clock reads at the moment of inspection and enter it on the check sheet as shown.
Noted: 6:09
